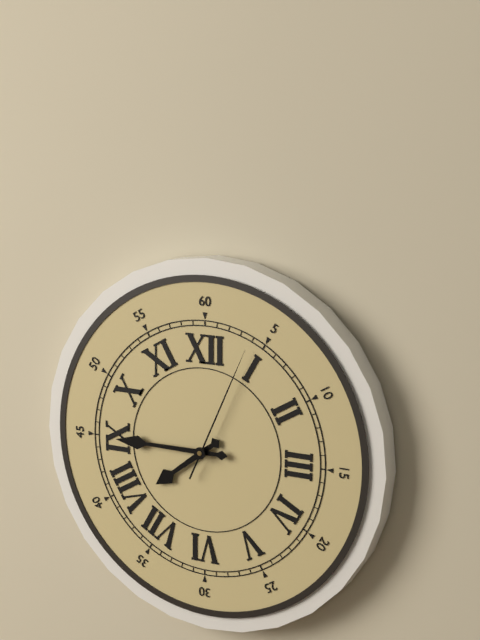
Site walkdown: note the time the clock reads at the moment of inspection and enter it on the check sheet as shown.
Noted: 7:45:04
